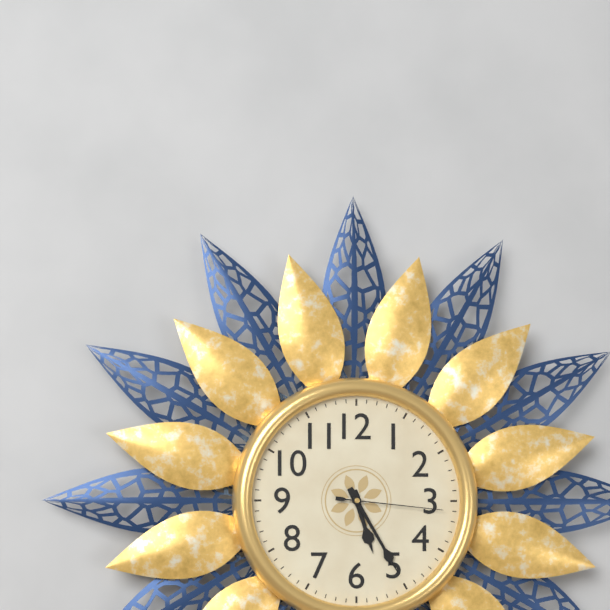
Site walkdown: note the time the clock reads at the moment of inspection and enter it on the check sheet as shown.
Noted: 5:25:16
